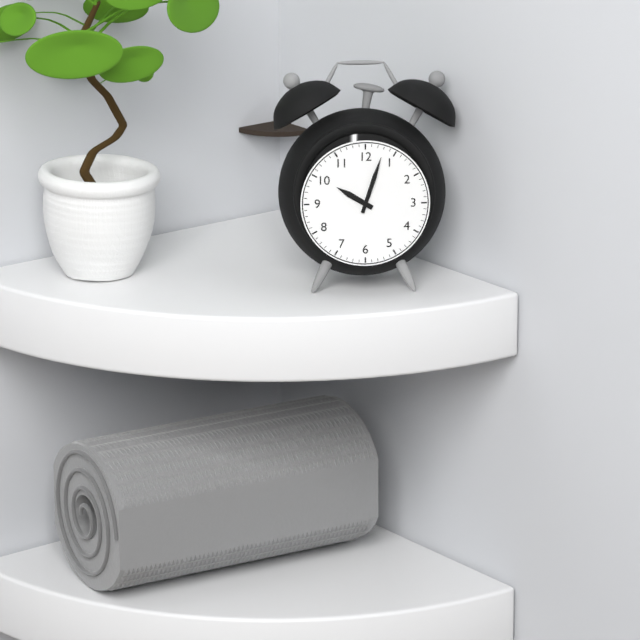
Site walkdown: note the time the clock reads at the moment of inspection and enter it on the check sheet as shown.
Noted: 10:03
